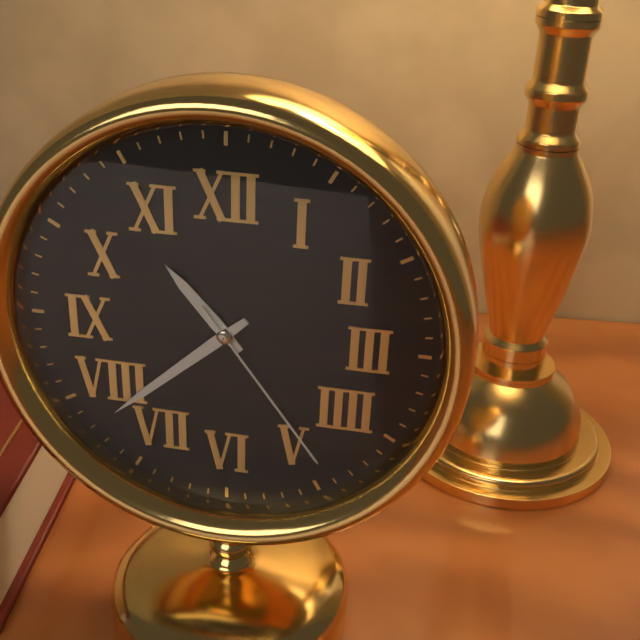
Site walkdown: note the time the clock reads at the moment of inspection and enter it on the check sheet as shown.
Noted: 10:38:24
